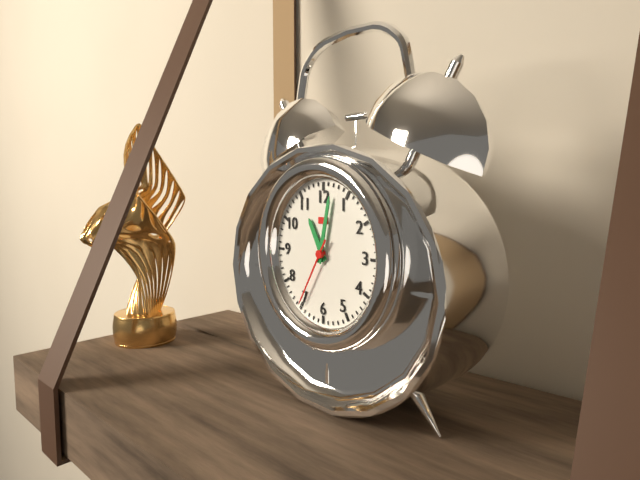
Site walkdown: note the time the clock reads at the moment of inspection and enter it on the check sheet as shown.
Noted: 11:02:35
